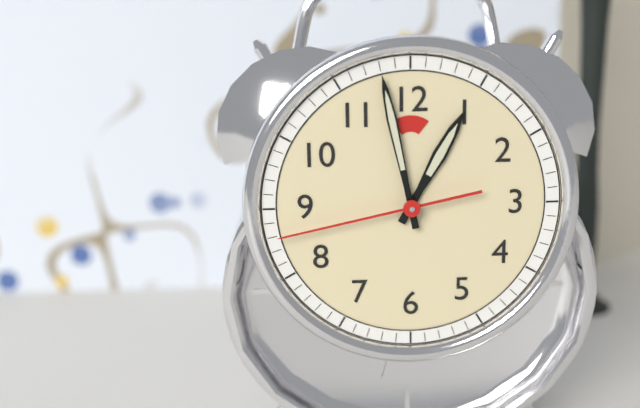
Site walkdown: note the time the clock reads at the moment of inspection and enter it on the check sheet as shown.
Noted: 12:58:43
